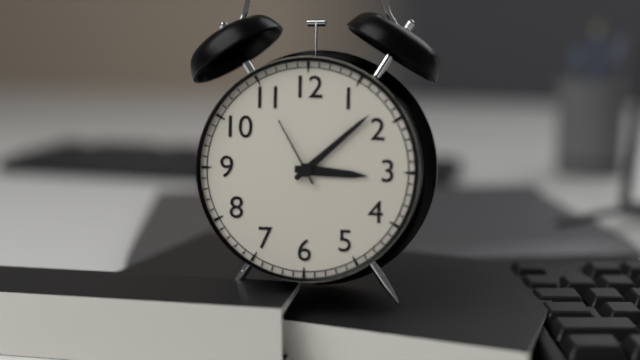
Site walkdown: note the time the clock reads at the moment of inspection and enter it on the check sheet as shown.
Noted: 3:08:55
